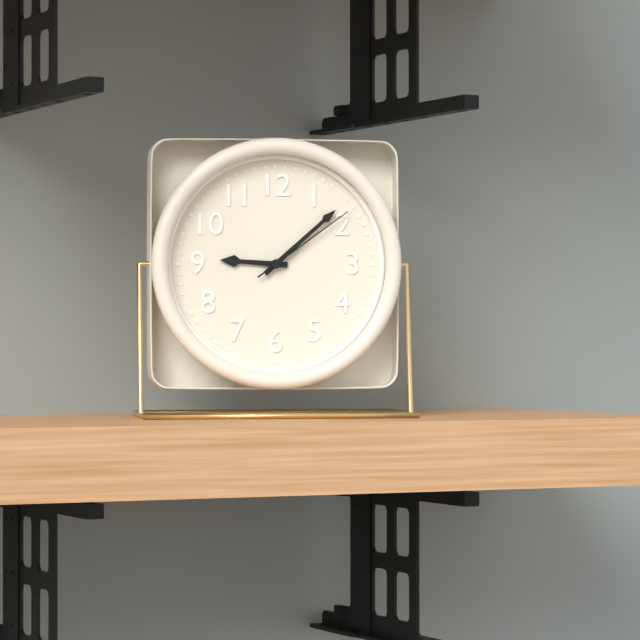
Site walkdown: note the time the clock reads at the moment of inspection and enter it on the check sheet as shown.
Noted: 9:08:09
